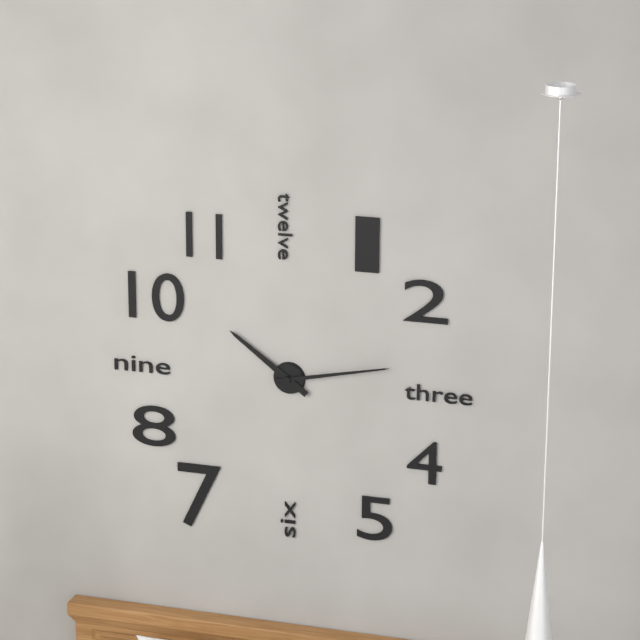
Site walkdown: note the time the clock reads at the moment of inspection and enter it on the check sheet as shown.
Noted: 10:13
